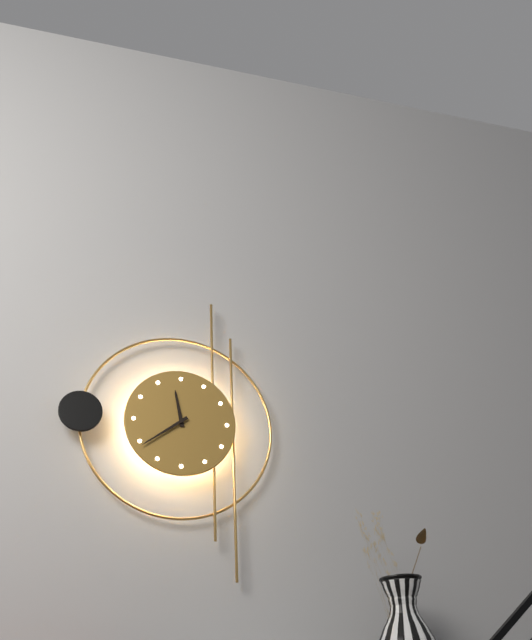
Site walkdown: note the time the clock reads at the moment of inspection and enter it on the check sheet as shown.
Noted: 11:39
